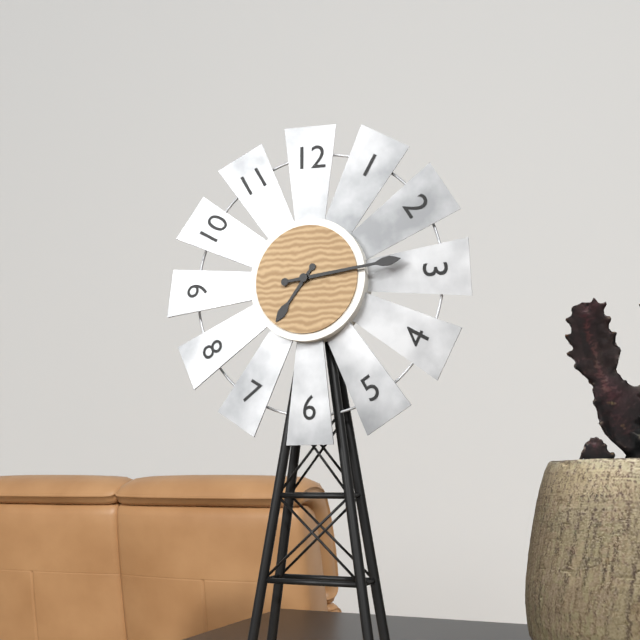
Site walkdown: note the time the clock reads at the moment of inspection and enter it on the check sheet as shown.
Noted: 7:14
